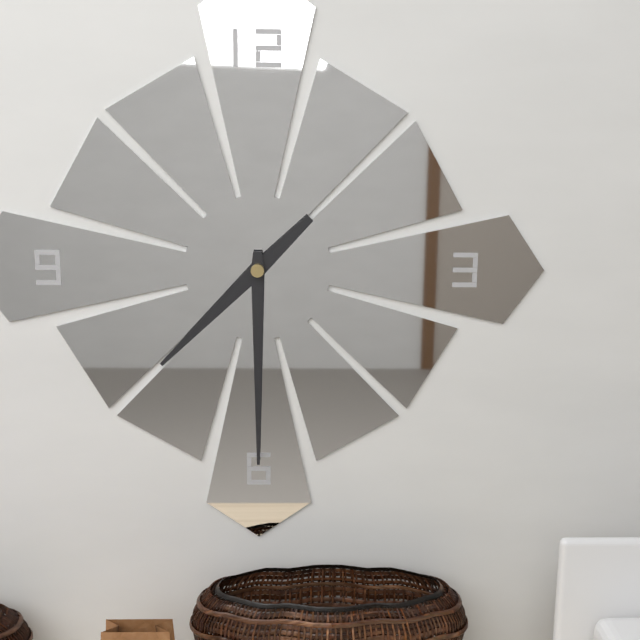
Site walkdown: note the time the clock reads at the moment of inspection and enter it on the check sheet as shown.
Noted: 7:30
